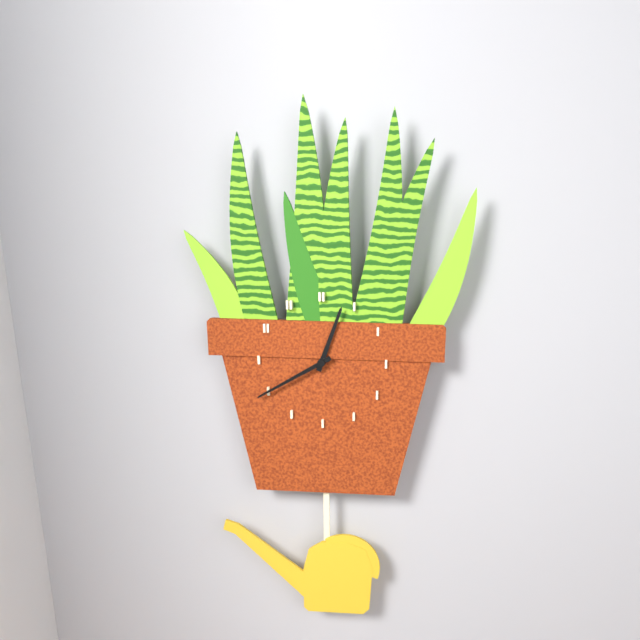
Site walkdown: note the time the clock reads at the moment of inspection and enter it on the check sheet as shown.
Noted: 12:40
